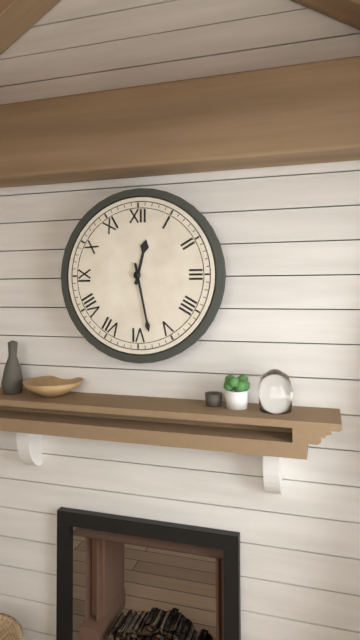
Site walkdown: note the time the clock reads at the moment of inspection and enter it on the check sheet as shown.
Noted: 12:28
